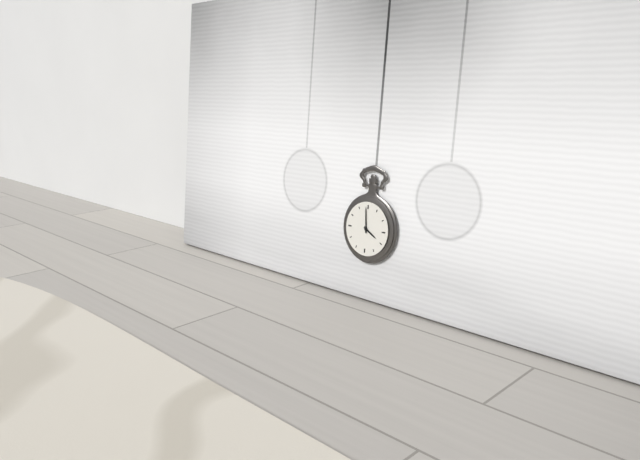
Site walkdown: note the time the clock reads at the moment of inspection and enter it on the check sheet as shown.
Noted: 3:59
